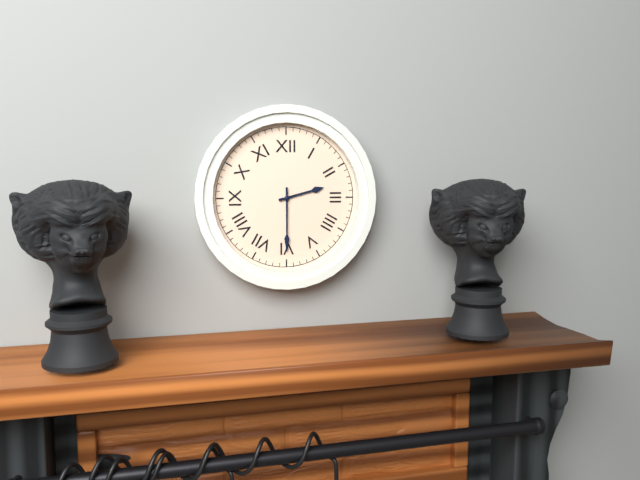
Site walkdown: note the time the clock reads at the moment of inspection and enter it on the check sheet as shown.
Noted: 2:30
